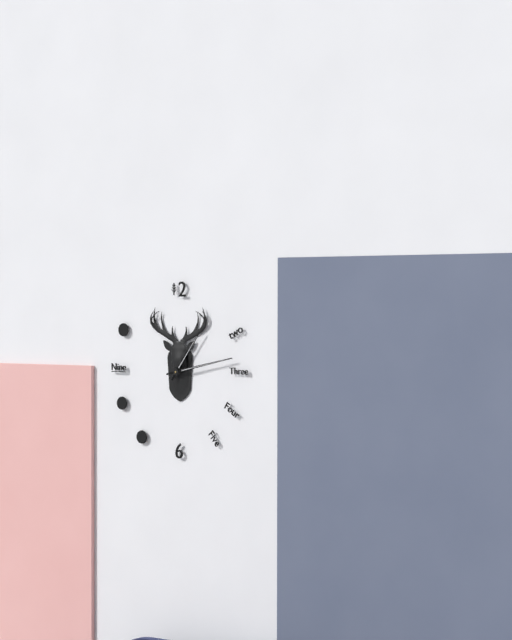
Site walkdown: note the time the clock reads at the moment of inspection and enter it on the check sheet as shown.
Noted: 1:13
